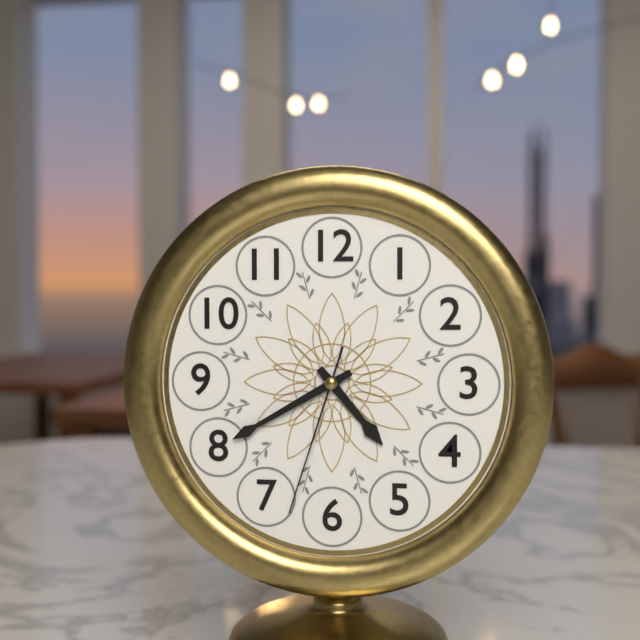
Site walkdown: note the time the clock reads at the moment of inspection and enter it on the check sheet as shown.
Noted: 4:40:33
